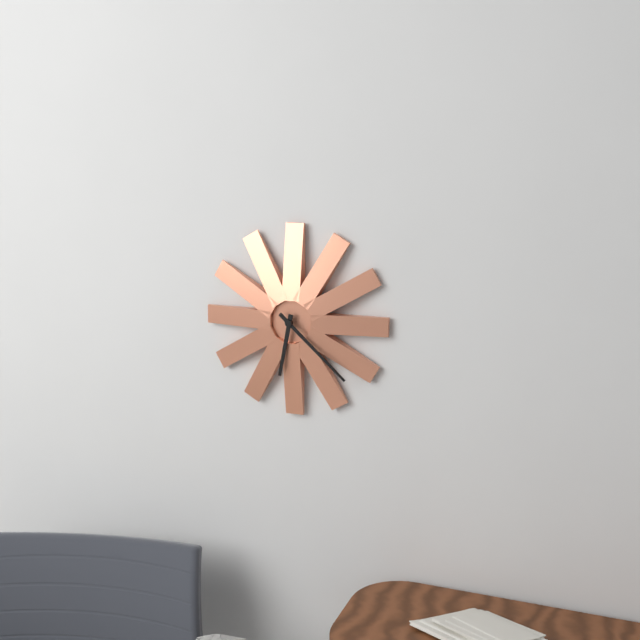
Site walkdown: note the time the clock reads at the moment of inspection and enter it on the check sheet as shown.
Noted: 6:22
